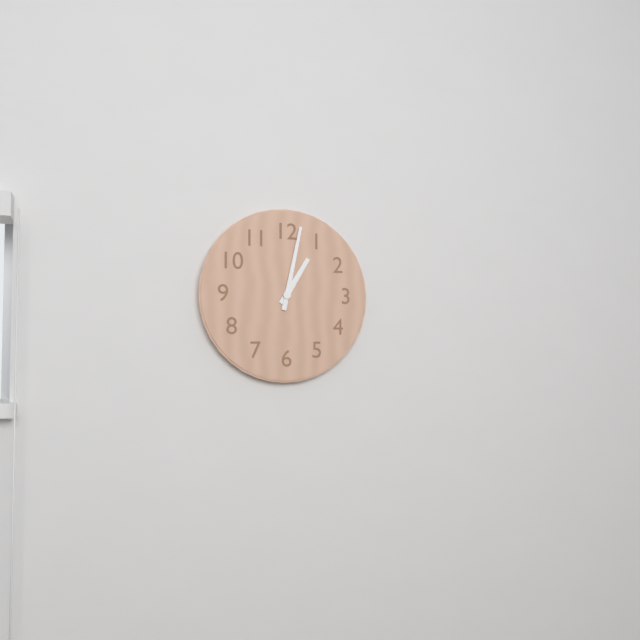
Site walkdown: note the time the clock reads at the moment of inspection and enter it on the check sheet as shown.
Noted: 1:02
